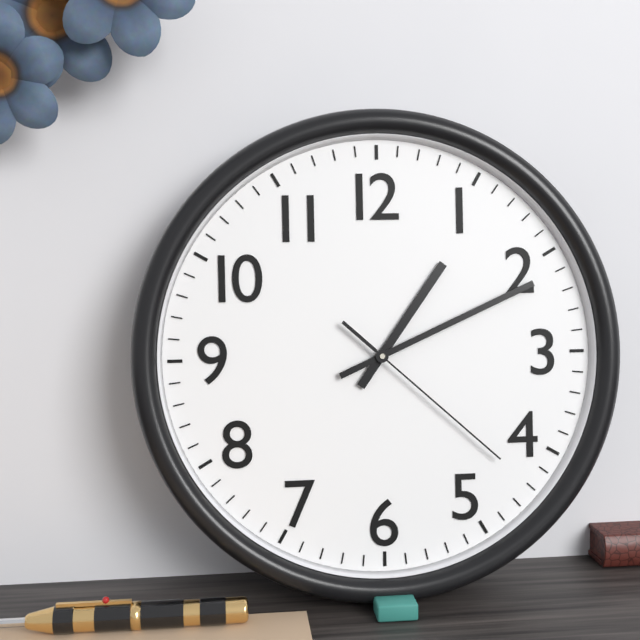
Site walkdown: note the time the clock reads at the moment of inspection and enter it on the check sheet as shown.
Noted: 1:11:22
